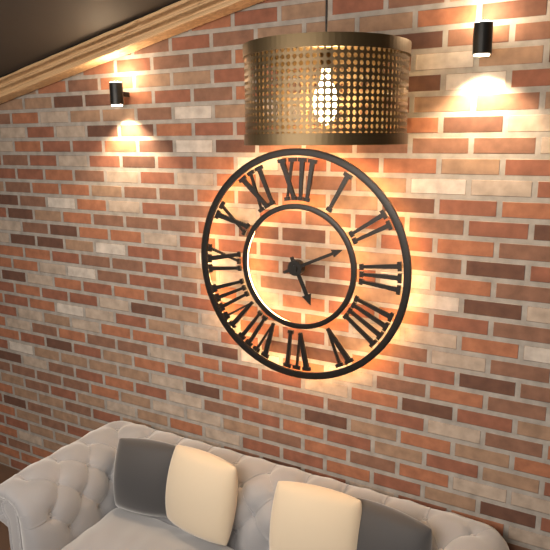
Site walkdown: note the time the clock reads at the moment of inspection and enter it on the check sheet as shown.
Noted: 5:11
